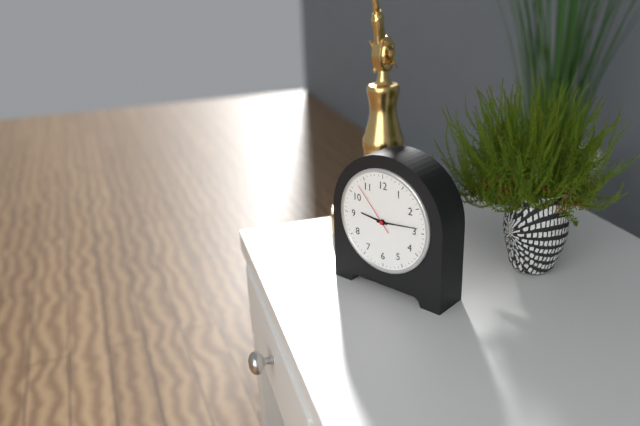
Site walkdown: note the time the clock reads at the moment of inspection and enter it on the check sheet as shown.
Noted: 9:14:53
